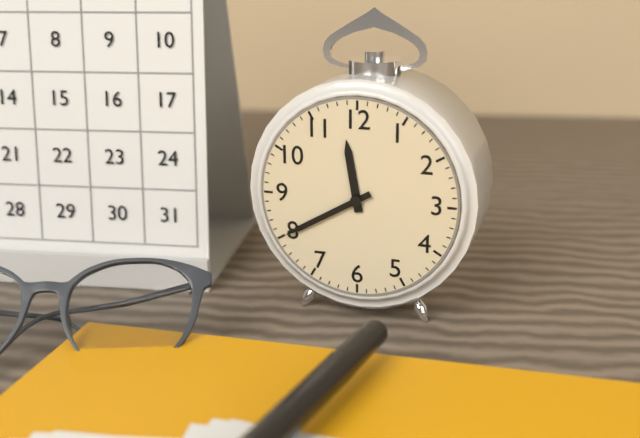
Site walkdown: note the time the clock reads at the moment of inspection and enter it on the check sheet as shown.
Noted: 11:40
